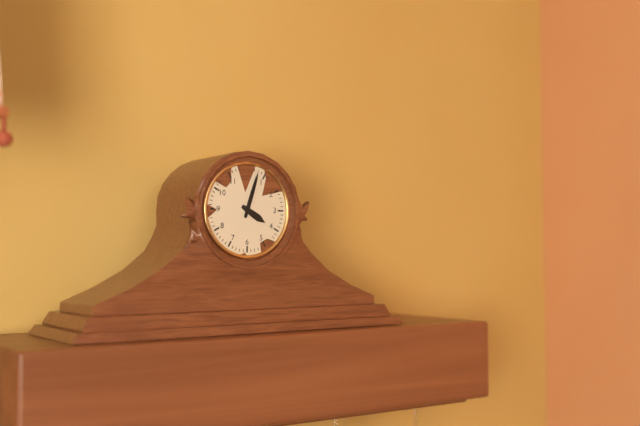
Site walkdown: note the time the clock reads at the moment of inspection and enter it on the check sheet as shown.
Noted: 4:03
